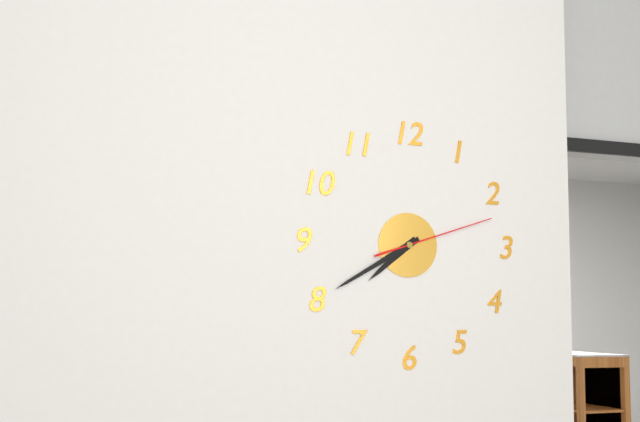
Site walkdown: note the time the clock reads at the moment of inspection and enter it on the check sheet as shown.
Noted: 7:40:12
